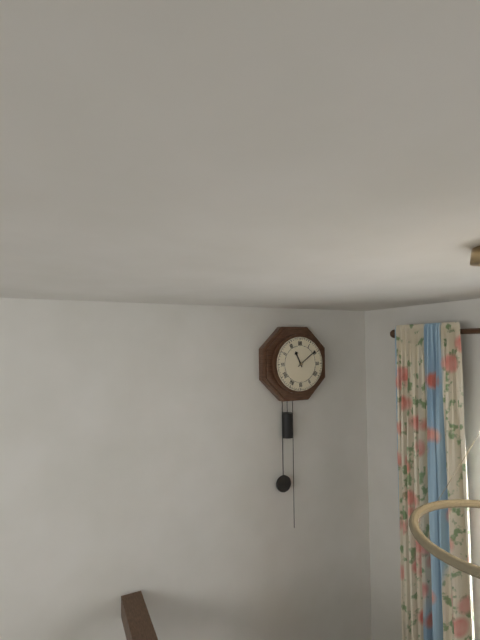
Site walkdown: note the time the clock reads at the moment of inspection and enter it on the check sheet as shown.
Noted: 11:09
